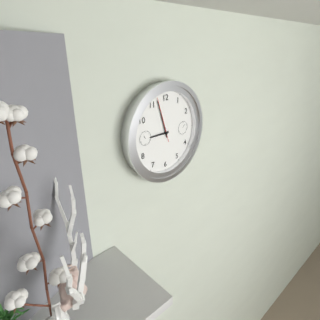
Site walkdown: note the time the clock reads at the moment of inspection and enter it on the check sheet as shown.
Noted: 8:57
